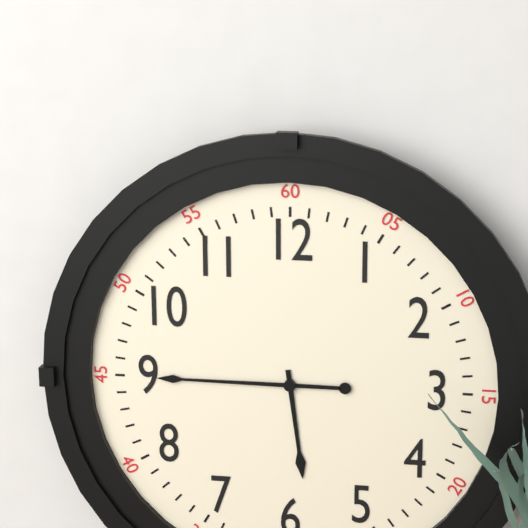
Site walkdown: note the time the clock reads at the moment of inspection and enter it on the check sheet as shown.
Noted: 5:45
